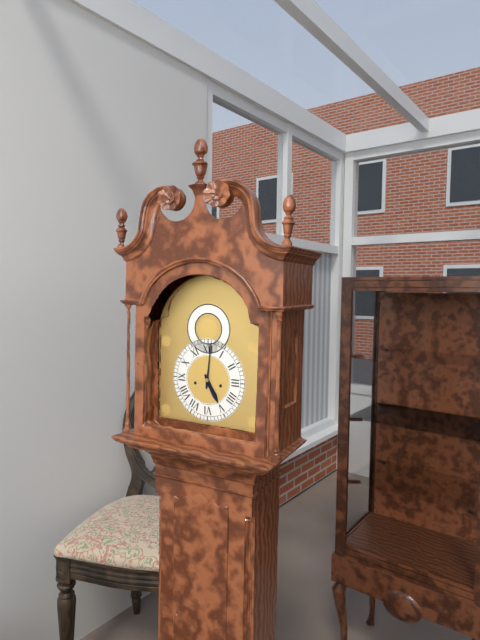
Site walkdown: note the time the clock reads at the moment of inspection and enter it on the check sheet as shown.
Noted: 5:01
